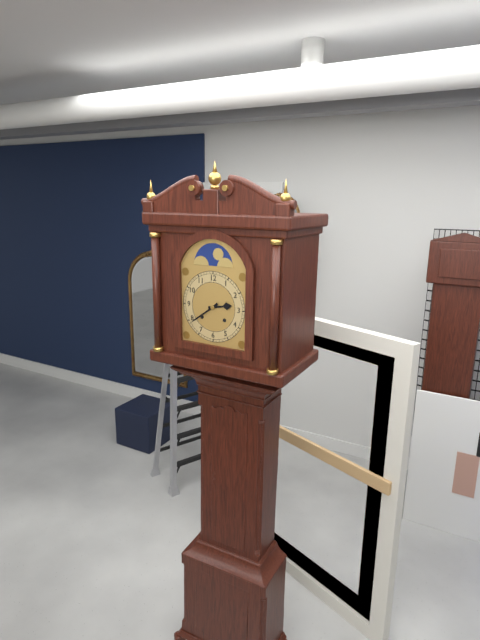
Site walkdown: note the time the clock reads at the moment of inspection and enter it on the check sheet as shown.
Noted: 2:39
